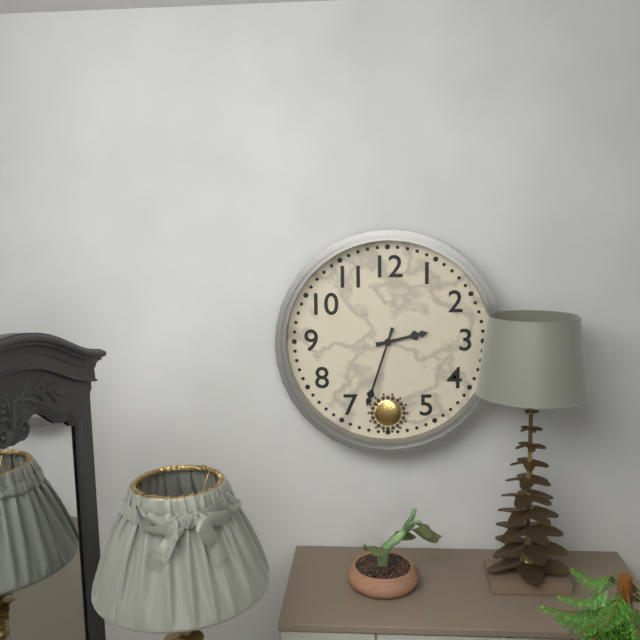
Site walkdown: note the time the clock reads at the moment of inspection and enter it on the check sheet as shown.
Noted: 2:33
